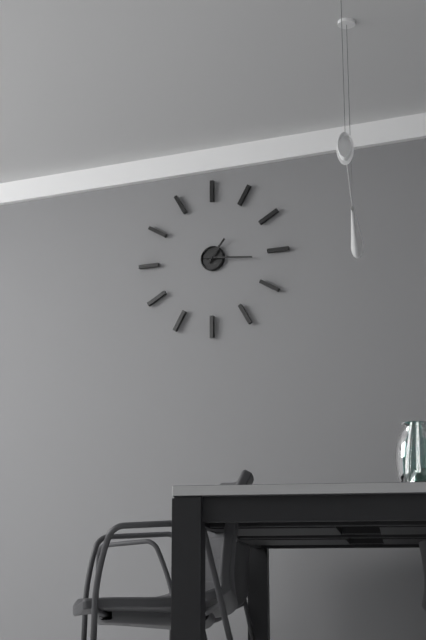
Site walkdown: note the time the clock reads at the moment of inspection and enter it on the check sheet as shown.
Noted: 1:16
